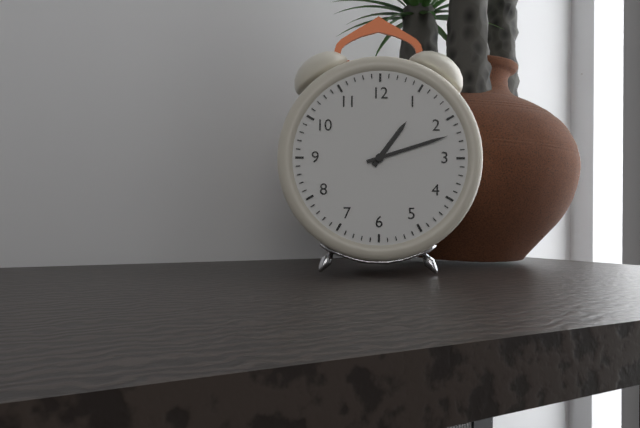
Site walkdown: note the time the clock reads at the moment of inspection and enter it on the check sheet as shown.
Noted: 1:12
